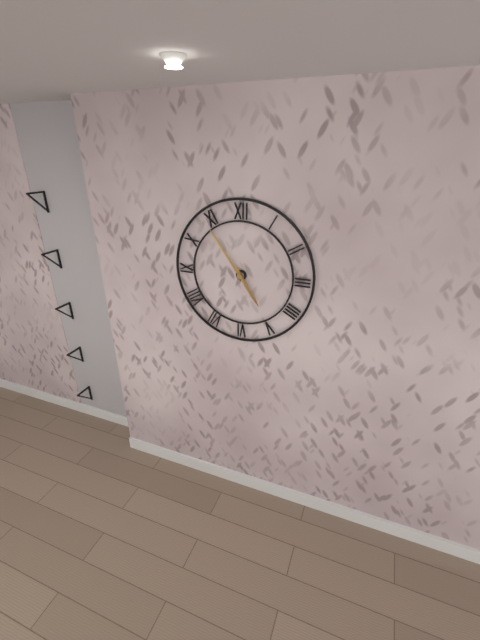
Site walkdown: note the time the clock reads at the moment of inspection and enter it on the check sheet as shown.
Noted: 4:54
